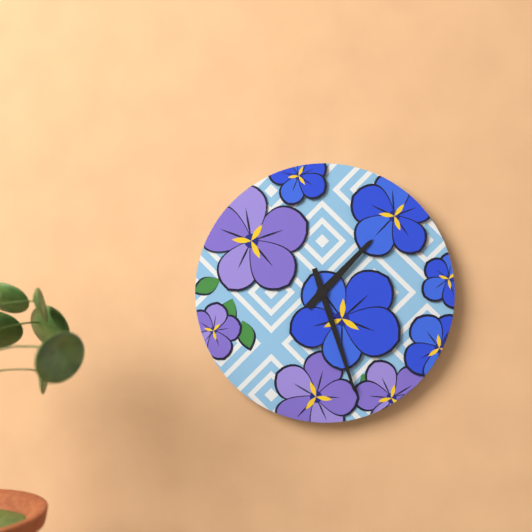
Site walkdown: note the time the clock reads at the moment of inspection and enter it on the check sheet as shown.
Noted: 1:27
